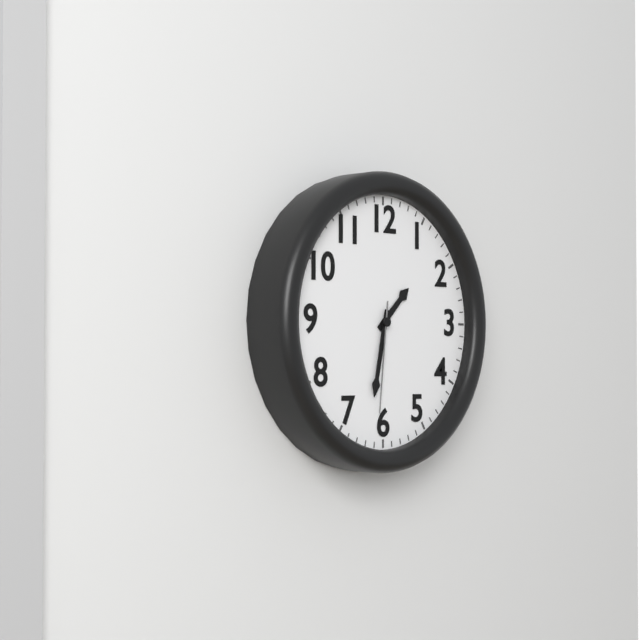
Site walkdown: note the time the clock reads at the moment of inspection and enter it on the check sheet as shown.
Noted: 1:32:31
